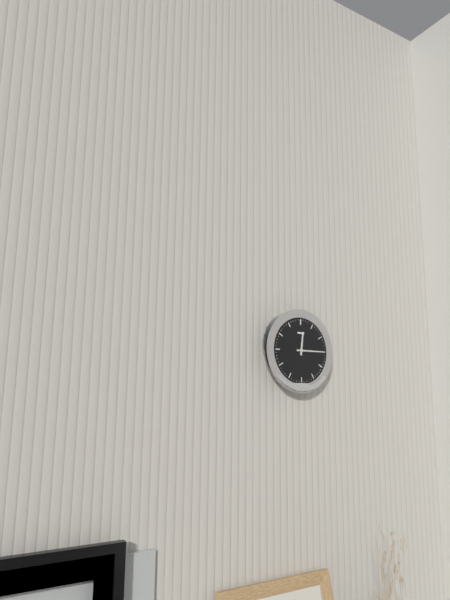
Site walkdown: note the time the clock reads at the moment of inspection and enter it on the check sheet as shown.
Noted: 12:15
